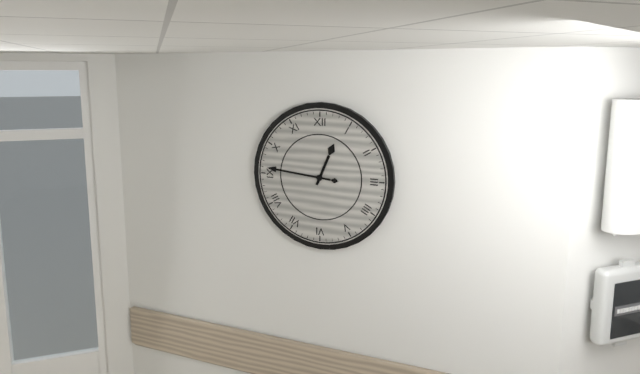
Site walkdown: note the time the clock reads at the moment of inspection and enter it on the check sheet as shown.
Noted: 12:46
